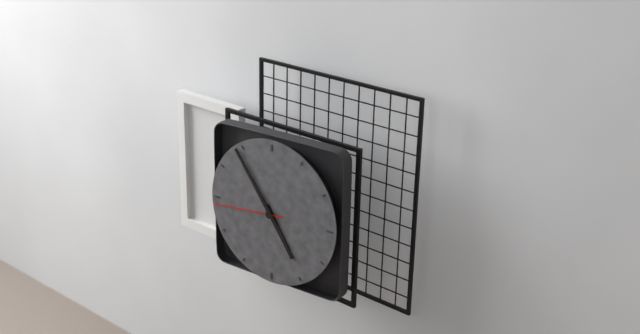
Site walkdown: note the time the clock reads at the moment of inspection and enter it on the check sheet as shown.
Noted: 4:54:44
